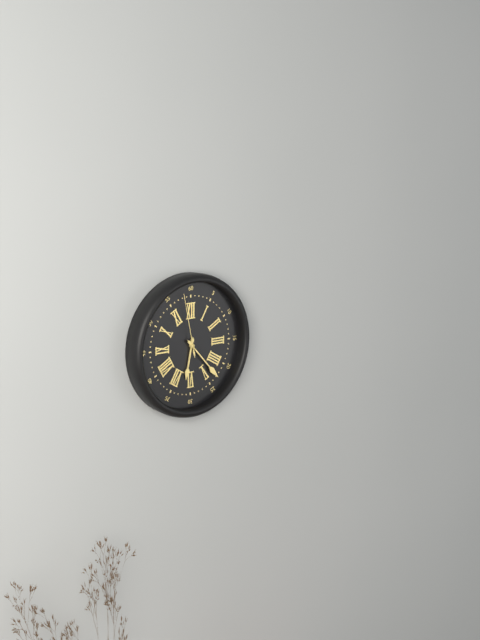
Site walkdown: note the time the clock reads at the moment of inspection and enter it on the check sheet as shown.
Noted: 6:23:58
